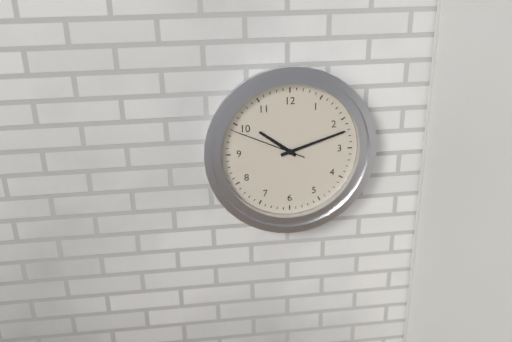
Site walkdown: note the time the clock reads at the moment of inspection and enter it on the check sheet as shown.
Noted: 10:12:49
